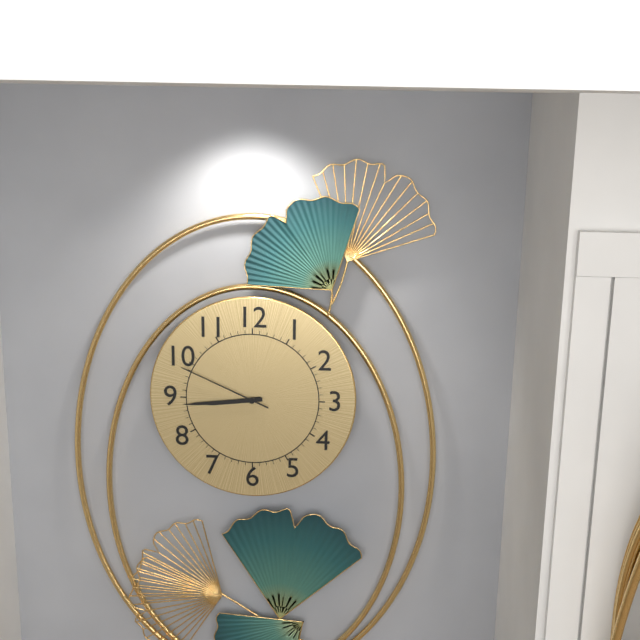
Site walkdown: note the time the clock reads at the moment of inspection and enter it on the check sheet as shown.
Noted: 8:44:49
